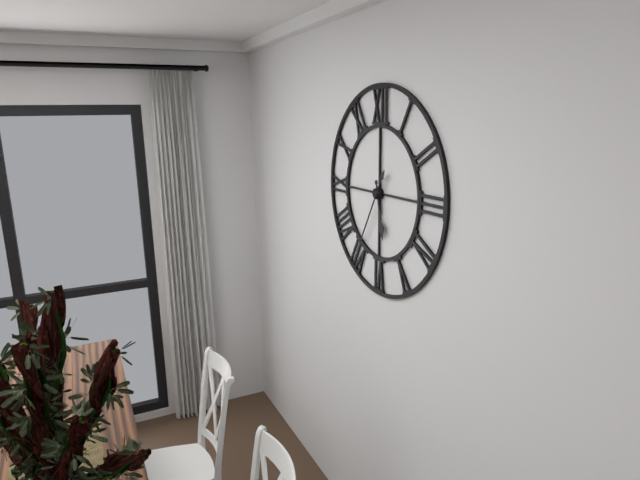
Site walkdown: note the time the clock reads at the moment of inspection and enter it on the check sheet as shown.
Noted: 5:35
